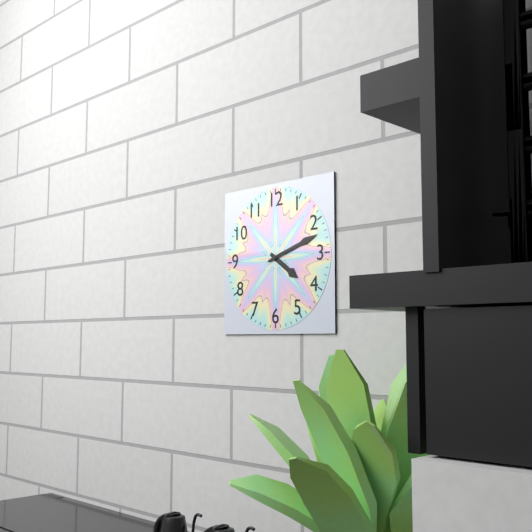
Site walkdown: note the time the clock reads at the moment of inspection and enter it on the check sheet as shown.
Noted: 4:12
